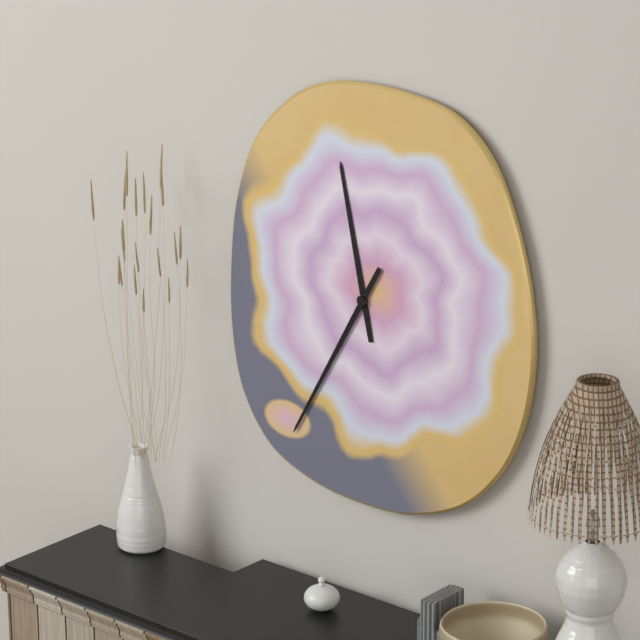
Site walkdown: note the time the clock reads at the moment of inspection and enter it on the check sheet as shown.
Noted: 11:35
